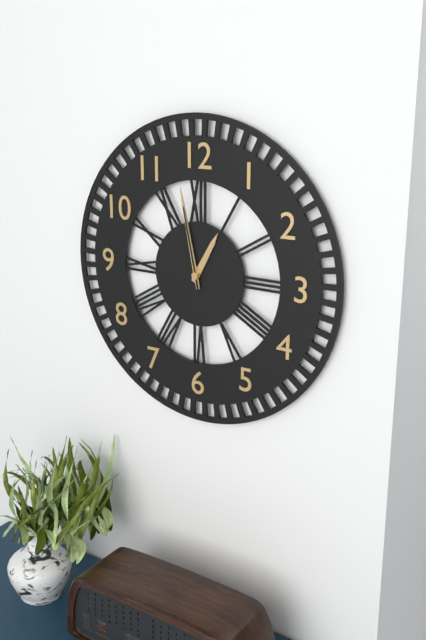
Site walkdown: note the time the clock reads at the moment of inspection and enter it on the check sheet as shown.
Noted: 12:58:58
